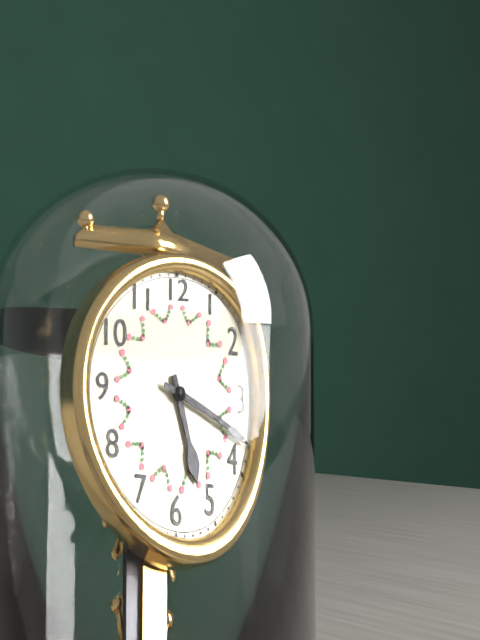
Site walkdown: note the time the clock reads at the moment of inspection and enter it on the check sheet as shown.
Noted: 5:18
